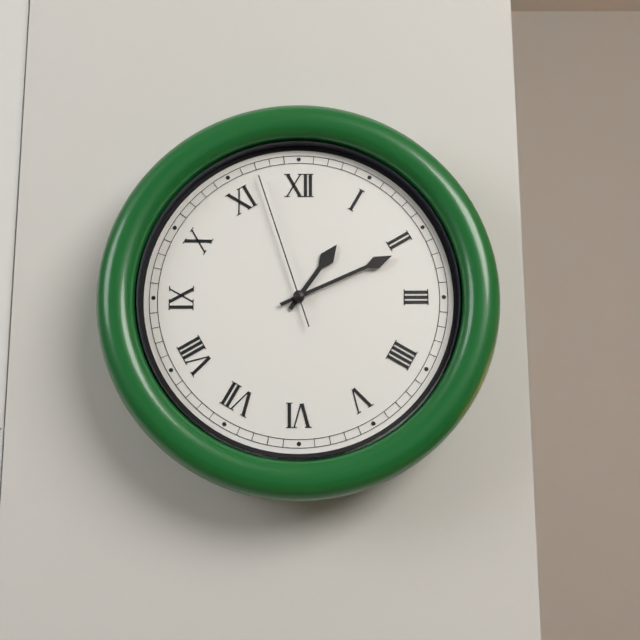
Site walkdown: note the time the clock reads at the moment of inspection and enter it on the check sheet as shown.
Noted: 1:11:57
